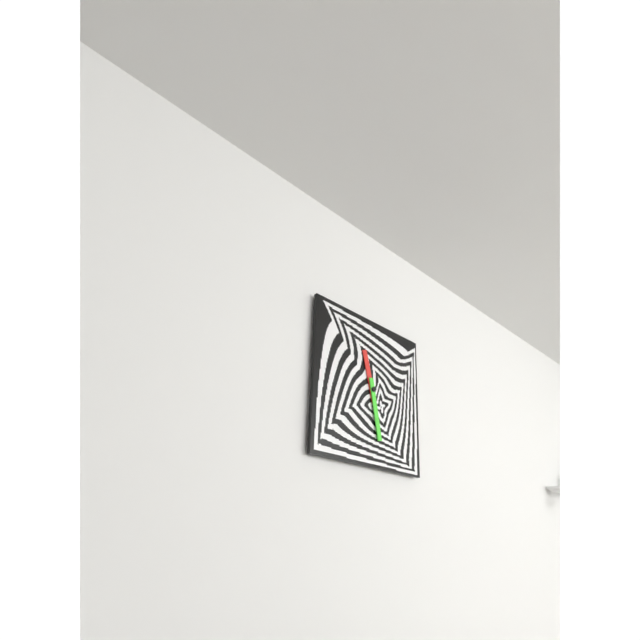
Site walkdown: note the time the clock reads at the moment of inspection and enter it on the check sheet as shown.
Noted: 11:28
